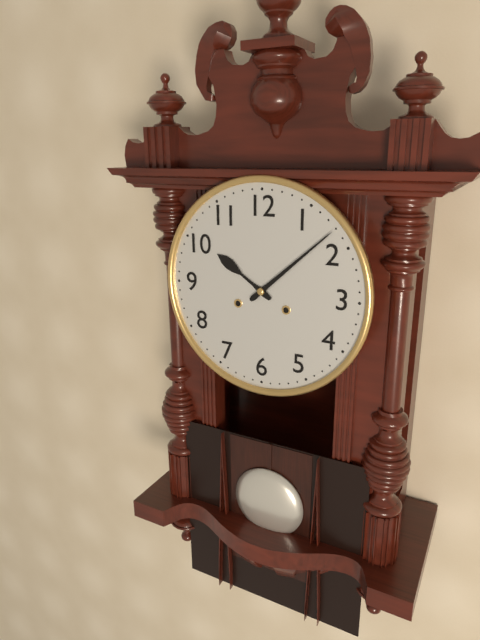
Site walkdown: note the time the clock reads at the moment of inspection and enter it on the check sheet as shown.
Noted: 10:08
